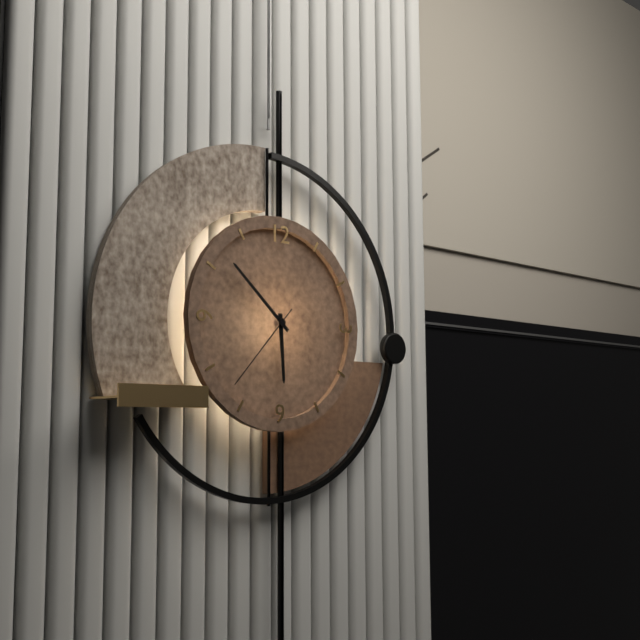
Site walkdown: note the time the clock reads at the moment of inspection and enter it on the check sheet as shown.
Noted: 5:52:37
